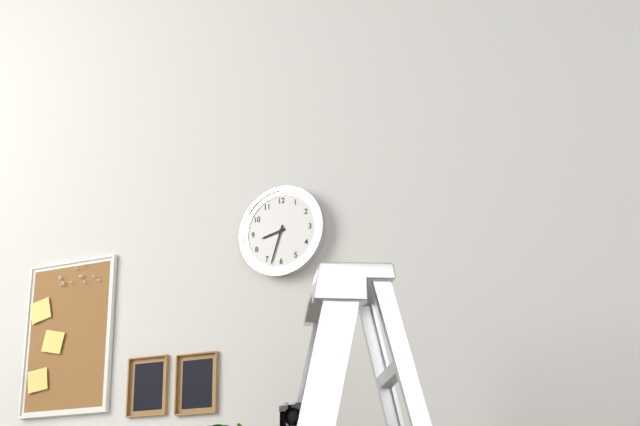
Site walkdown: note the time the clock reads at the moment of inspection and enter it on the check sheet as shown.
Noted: 8:33
